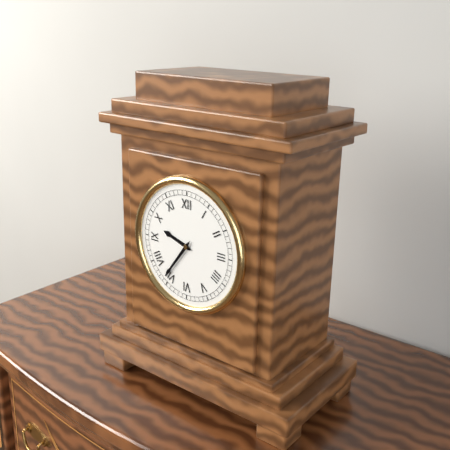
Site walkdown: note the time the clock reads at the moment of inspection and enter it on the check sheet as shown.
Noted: 9:36
